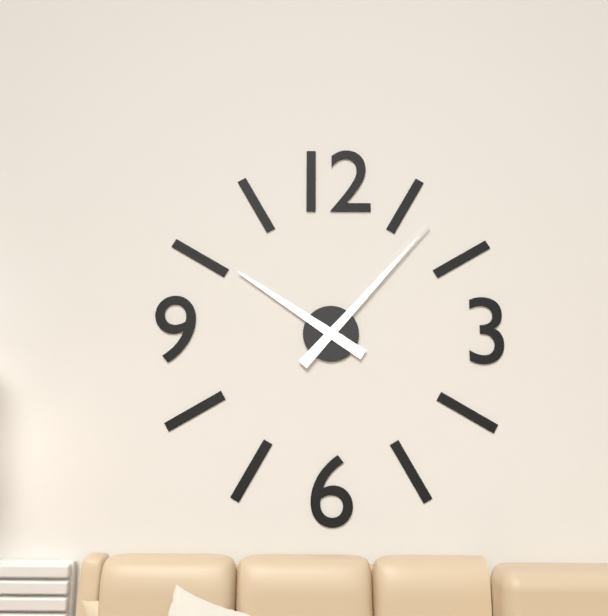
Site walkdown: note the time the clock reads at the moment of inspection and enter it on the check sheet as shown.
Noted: 10:07
